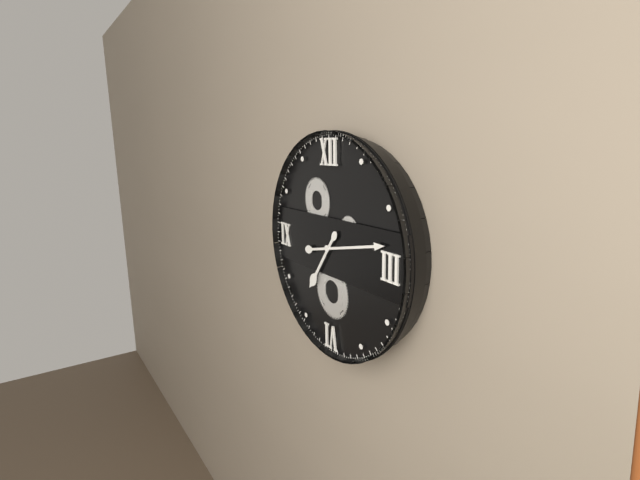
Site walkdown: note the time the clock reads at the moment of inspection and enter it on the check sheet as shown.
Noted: 7:13
